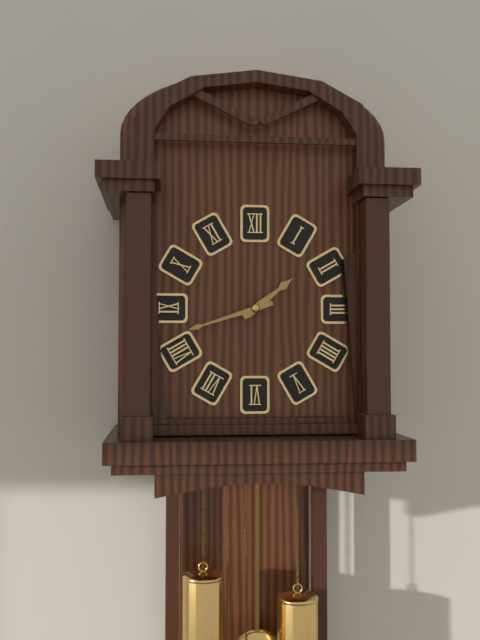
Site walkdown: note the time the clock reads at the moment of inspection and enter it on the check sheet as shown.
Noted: 1:42
